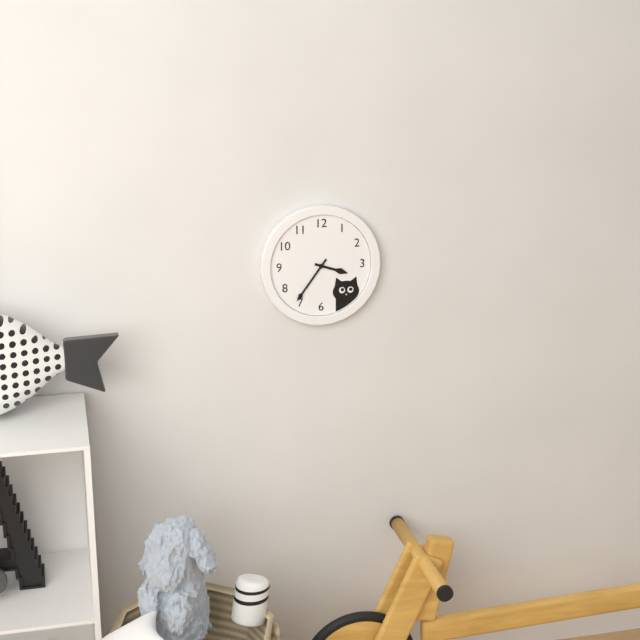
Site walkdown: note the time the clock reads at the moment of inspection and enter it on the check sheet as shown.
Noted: 3:36
